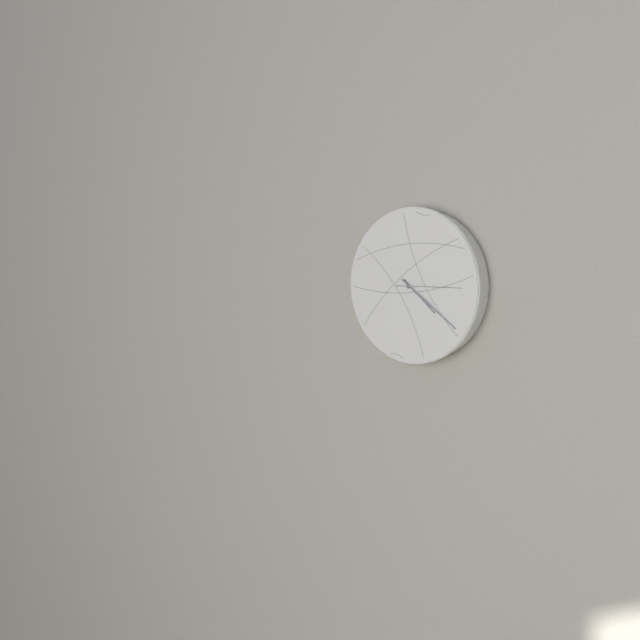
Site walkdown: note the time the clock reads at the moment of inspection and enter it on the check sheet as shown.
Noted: 4:21:15
